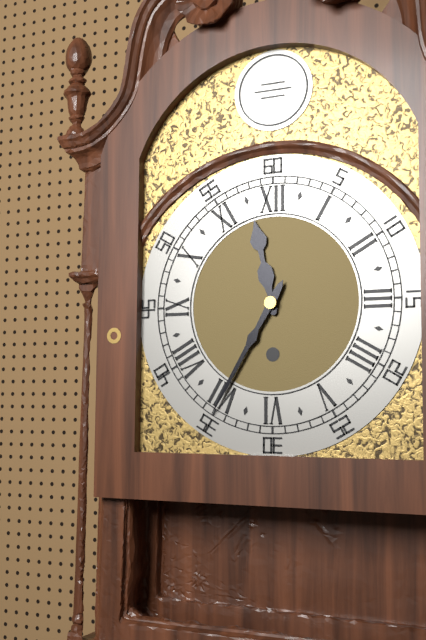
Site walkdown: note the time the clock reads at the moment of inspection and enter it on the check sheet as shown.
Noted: 11:35
